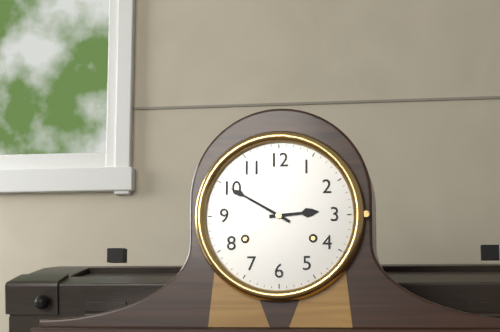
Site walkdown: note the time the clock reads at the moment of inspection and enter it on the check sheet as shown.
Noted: 2:50
